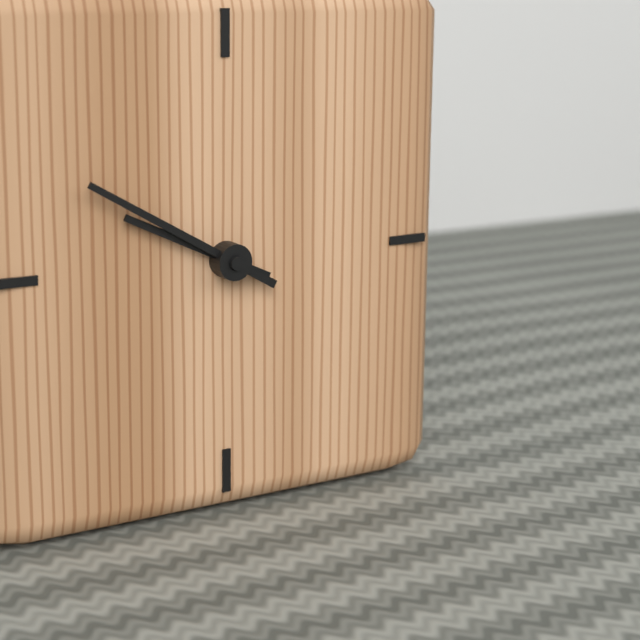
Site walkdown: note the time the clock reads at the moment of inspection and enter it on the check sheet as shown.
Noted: 9:50
